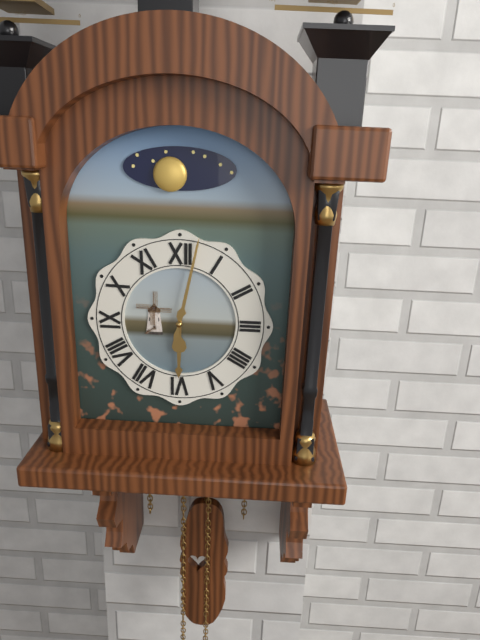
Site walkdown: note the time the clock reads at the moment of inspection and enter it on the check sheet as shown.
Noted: 6:02
